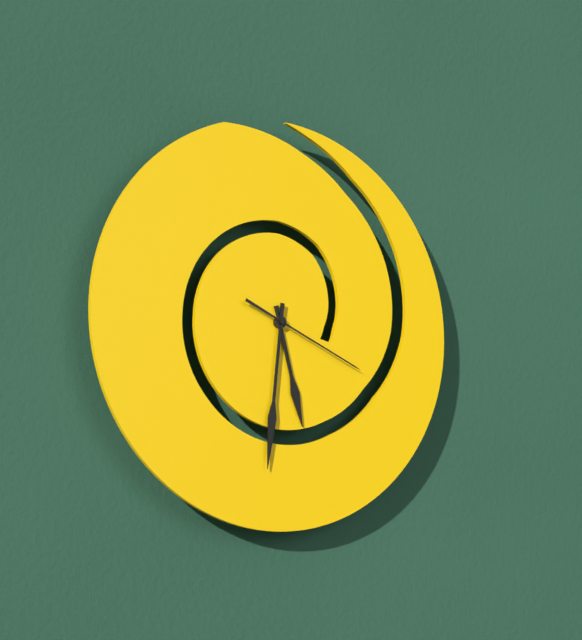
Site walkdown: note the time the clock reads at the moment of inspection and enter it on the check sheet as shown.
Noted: 5:31:19
